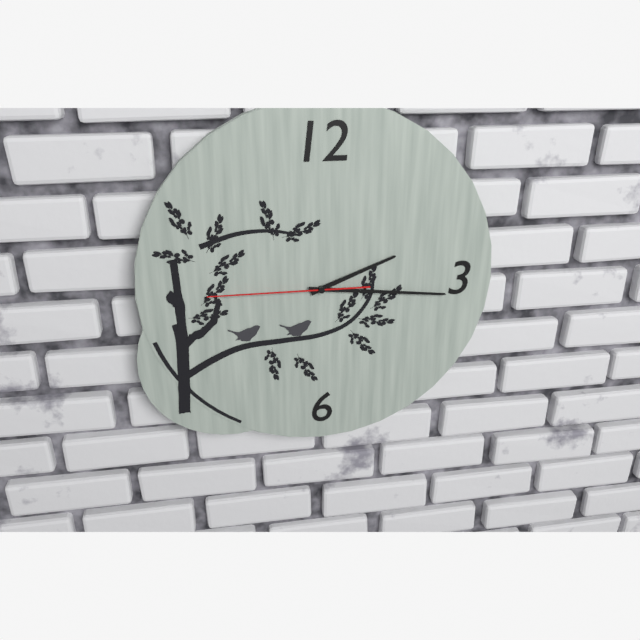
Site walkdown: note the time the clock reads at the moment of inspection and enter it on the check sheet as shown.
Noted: 2:16:45
